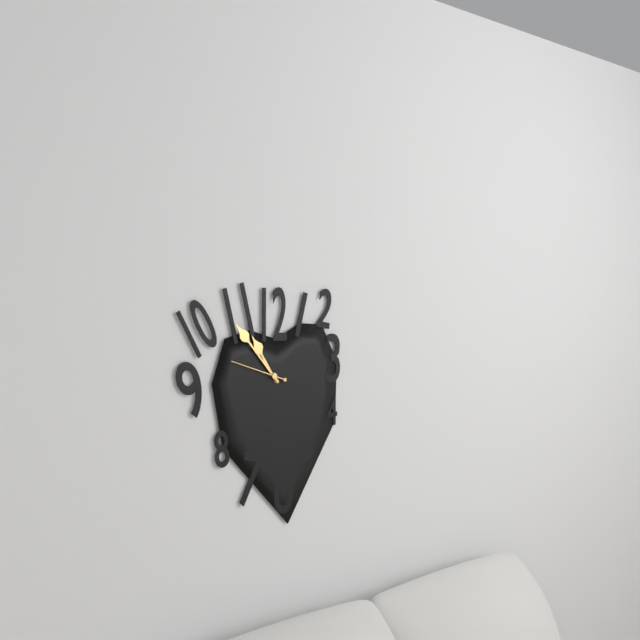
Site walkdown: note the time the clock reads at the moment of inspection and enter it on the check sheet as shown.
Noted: 10:53:48
